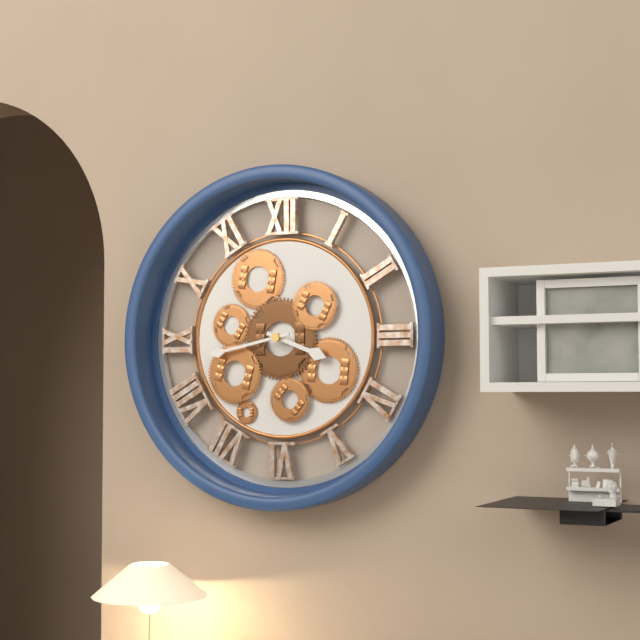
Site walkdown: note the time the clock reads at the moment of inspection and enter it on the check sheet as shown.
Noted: 3:43
